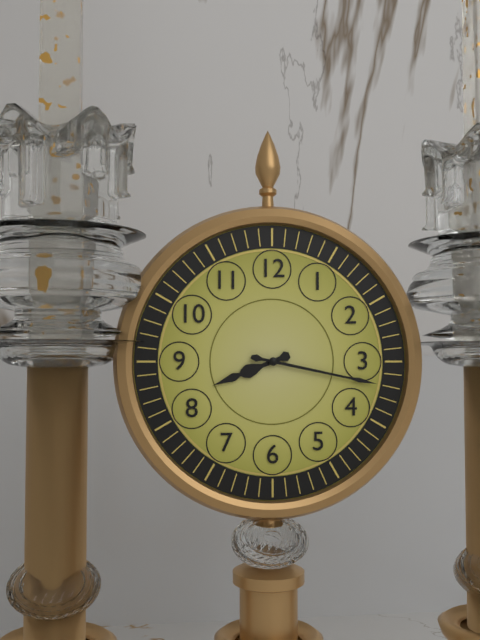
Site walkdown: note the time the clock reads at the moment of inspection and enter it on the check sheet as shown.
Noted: 8:17
